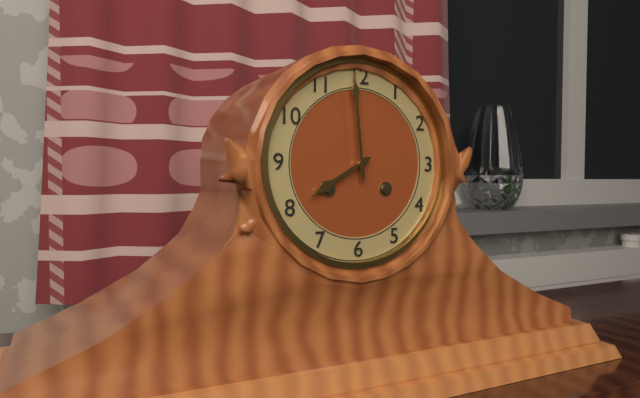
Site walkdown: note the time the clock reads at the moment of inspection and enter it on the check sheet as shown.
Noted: 7:59
